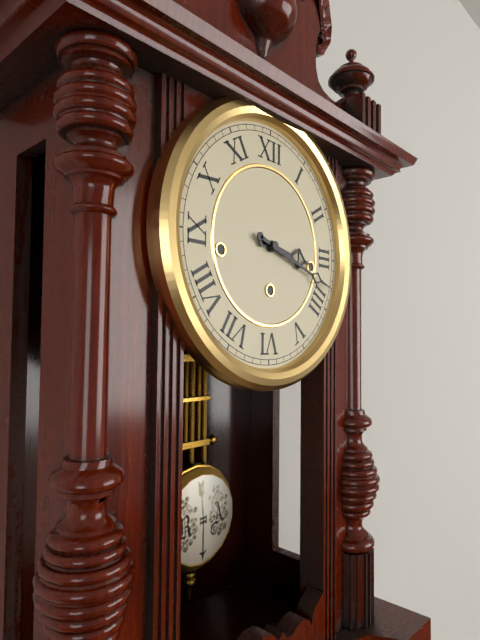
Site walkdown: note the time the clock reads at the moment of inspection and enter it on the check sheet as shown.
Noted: 3:18
